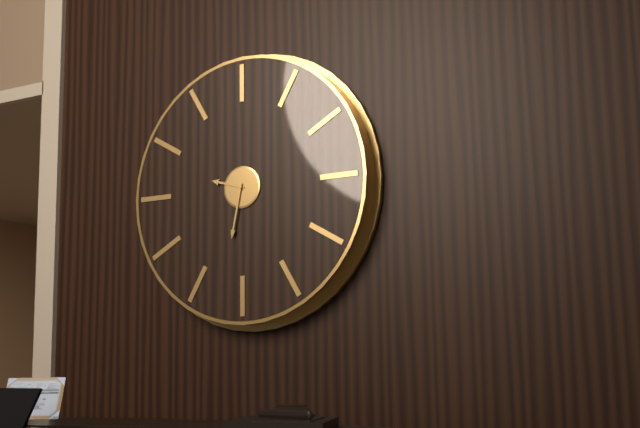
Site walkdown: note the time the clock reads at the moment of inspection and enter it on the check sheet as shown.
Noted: 9:32
